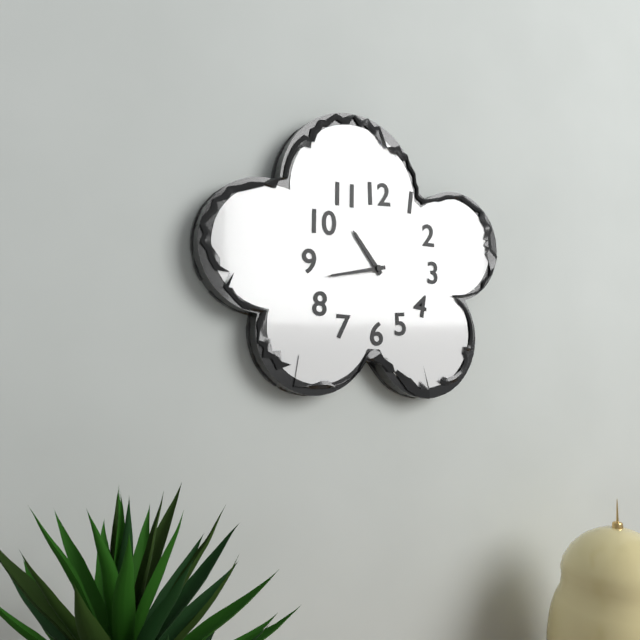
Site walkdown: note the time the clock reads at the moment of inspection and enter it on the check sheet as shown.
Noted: 10:43
